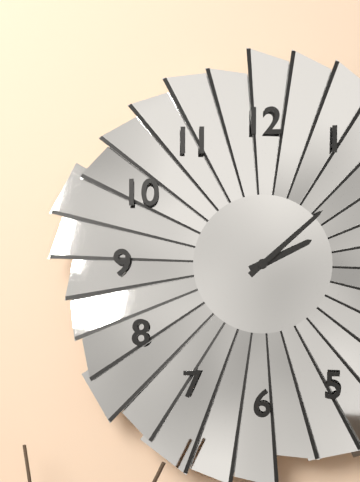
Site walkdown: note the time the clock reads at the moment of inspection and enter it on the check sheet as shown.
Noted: 2:08
